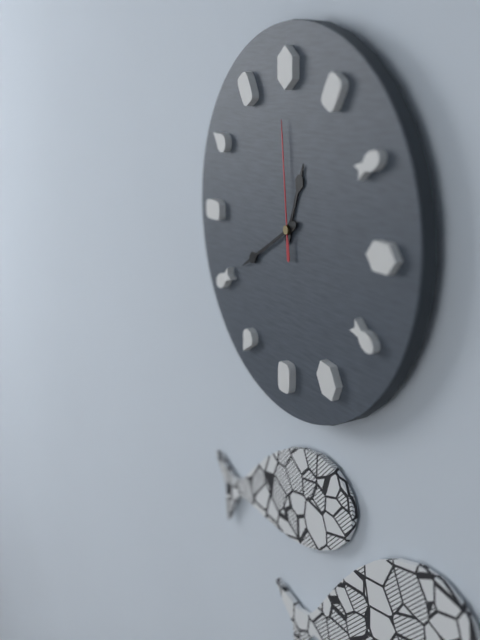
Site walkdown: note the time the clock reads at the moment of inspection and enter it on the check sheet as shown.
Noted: 12:40:59
